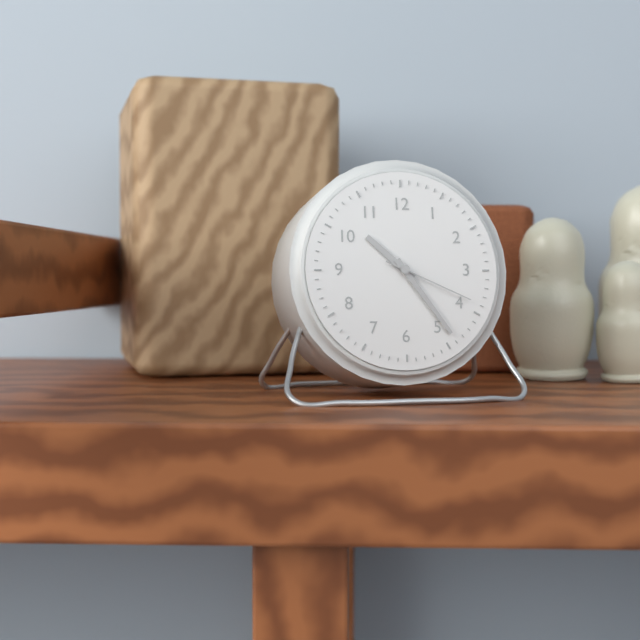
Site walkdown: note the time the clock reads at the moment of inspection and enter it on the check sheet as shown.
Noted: 10:24:19
